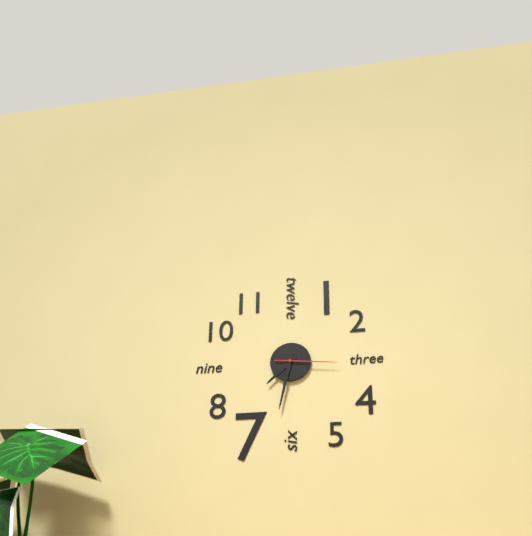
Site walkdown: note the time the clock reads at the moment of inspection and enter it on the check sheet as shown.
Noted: 7:32:16
